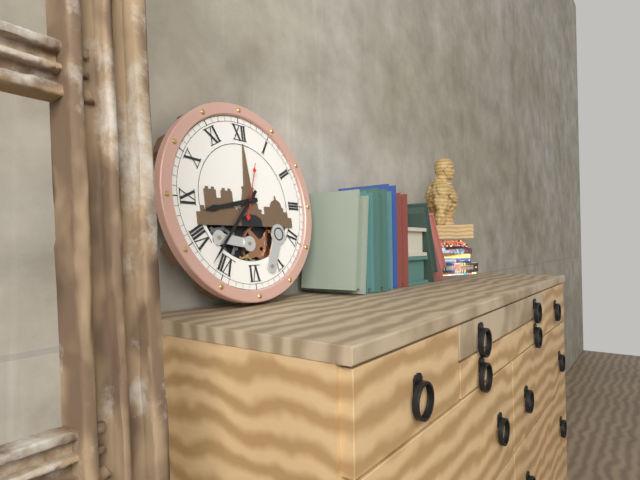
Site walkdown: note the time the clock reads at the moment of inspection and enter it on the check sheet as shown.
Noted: 8:37:03
